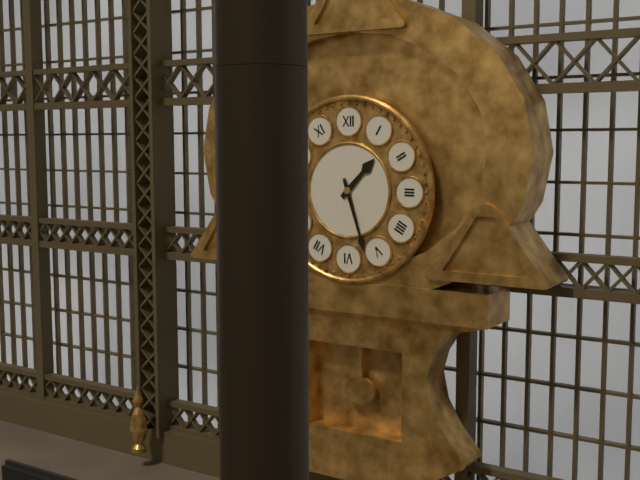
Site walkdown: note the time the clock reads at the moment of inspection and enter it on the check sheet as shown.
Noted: 1:27
